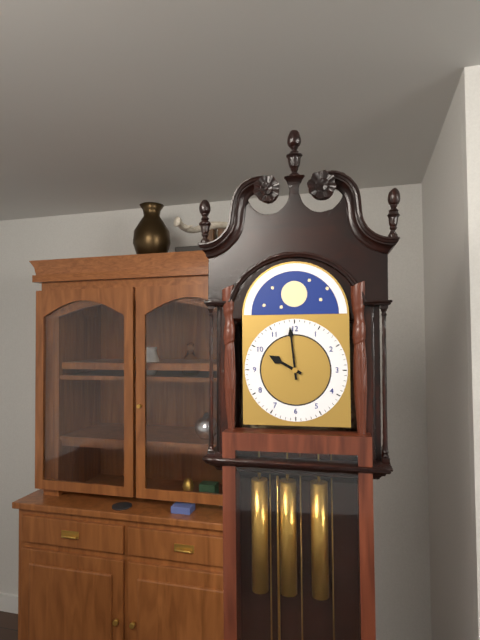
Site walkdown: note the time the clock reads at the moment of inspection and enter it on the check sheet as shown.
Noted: 9:59
